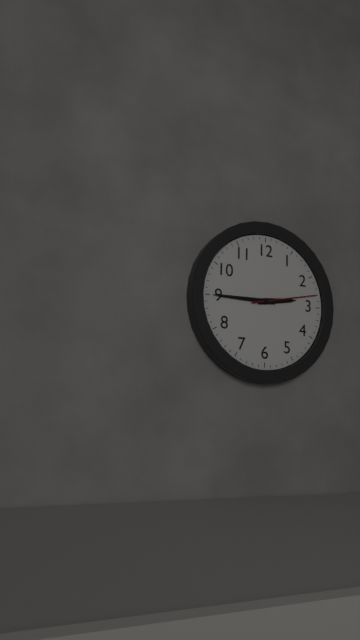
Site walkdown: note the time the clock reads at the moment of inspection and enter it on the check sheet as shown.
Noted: 2:45:13
